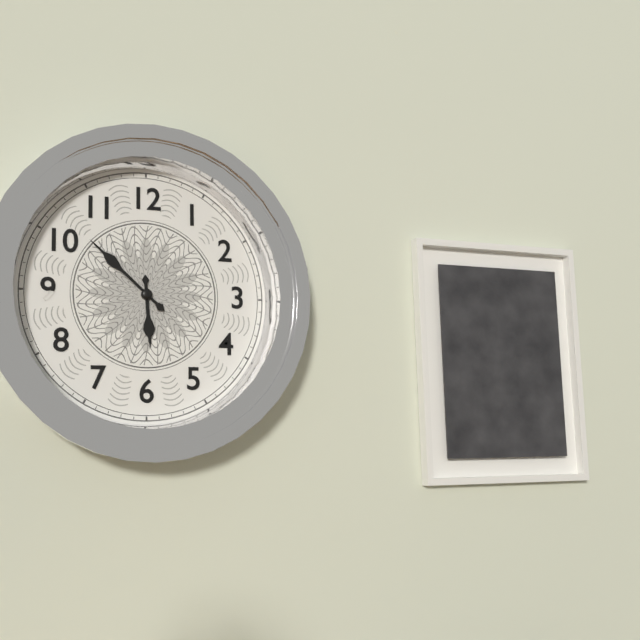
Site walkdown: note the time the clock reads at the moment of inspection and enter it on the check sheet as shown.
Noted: 5:52
